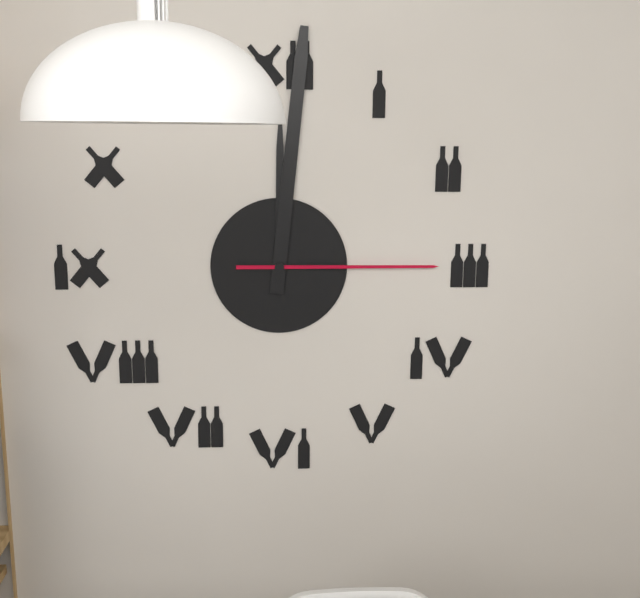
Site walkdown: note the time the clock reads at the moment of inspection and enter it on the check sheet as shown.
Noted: 12:01:15
